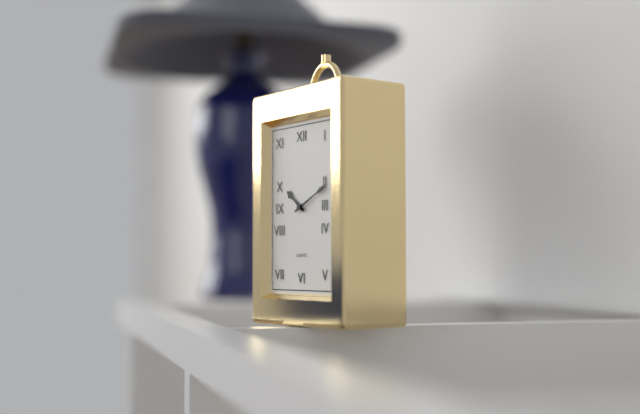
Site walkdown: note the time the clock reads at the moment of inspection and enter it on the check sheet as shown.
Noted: 10:11
